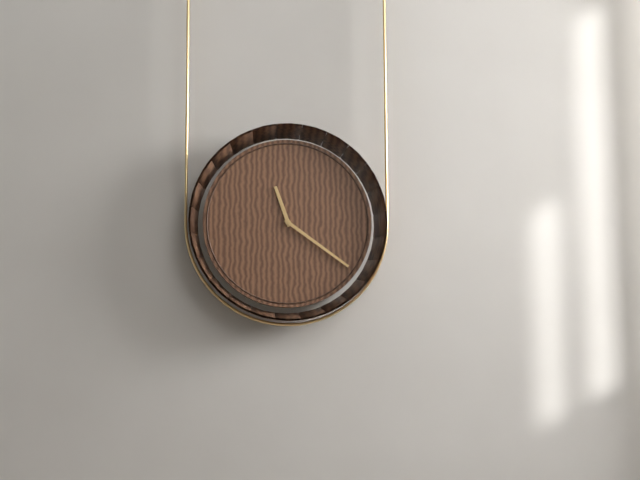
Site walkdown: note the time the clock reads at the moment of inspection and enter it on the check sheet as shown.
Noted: 11:21
